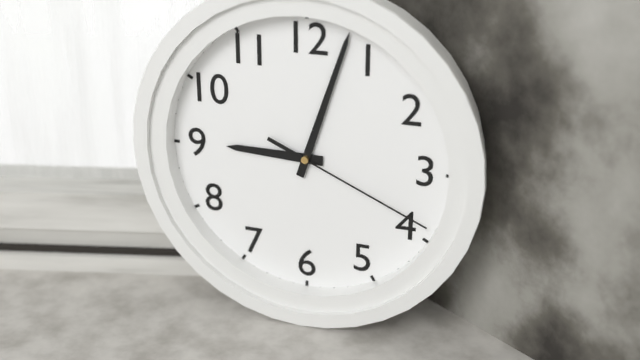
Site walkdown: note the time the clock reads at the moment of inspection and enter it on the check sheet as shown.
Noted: 9:03:19
